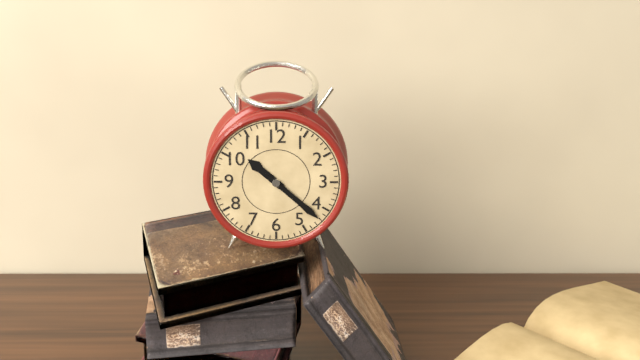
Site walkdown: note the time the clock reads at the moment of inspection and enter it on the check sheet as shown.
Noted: 10:22
